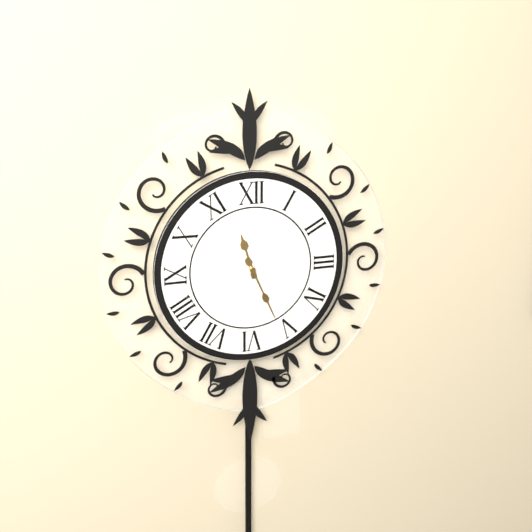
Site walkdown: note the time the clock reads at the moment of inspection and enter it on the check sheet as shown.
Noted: 11:26
